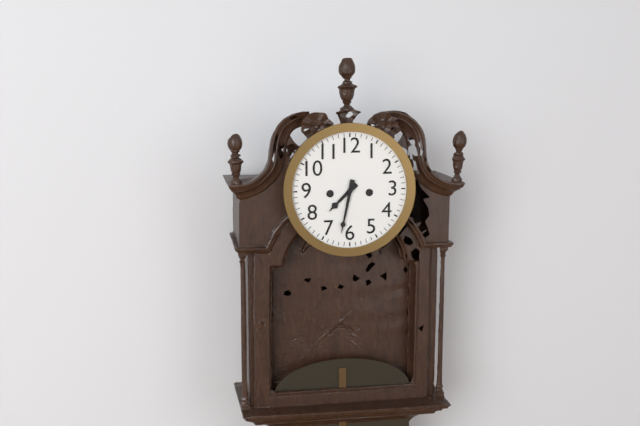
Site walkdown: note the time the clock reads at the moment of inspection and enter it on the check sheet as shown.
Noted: 7:32
